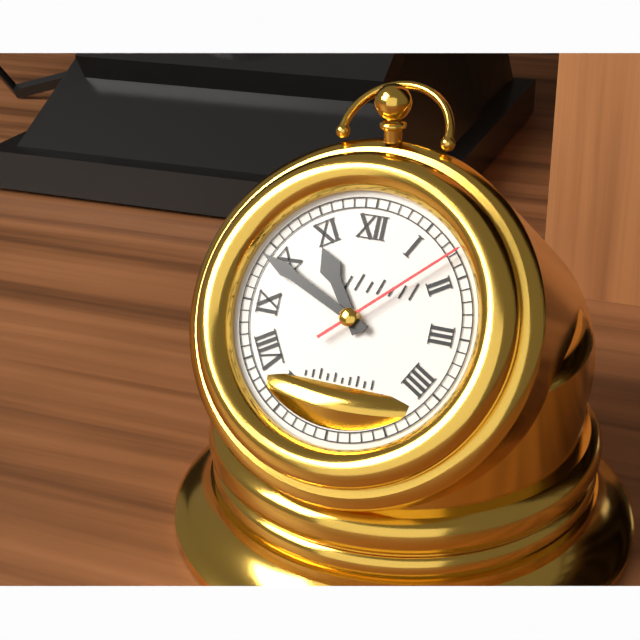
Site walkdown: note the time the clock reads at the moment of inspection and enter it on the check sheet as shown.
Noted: 10:49:08
